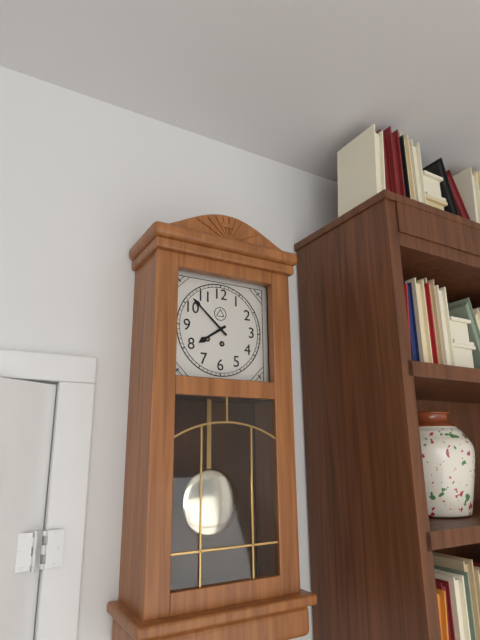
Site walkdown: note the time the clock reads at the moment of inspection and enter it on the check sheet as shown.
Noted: 7:52
